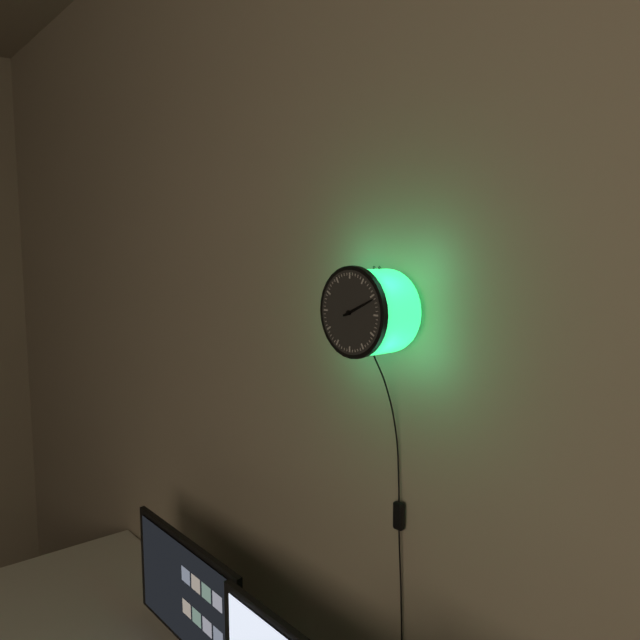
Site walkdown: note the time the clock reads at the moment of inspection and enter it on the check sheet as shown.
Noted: 2:11
